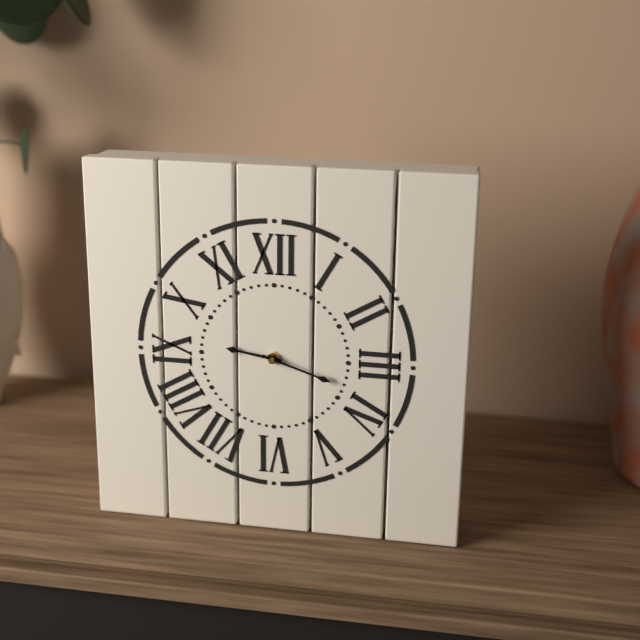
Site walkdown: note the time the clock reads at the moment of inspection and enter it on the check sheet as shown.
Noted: 9:18
